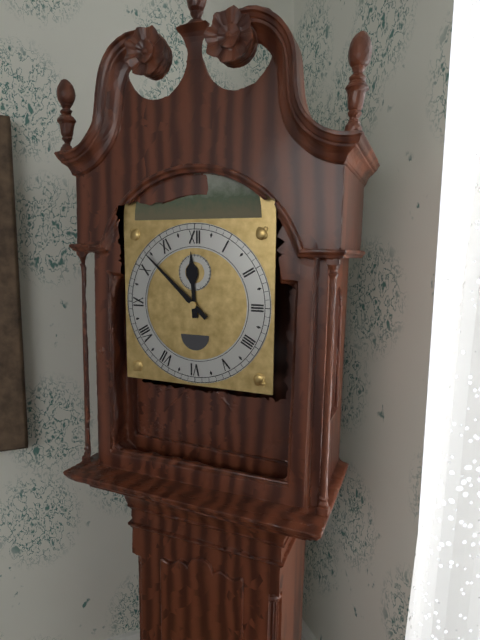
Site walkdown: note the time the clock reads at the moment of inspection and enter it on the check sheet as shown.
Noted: 11:52
